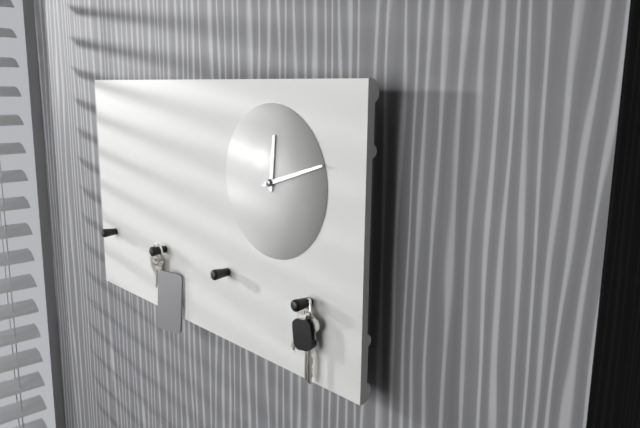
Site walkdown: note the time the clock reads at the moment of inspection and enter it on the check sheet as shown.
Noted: 12:12
